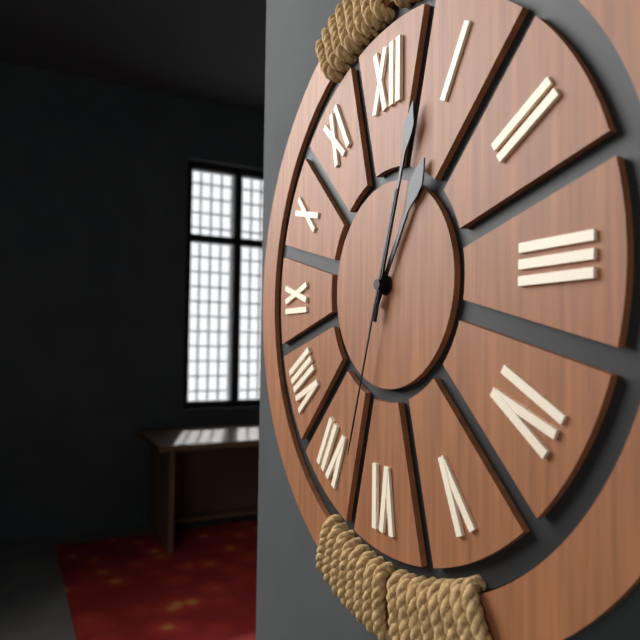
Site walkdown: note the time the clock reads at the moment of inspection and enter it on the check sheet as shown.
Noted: 1:03:33
